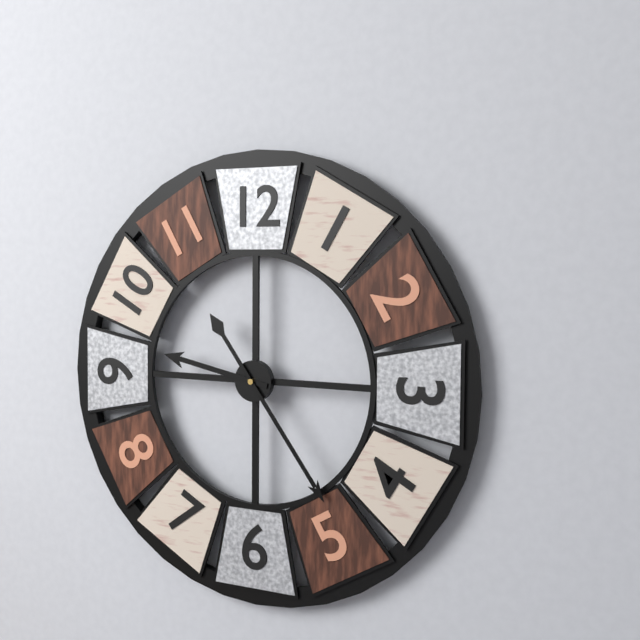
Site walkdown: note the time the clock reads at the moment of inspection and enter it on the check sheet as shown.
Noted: 9:24
